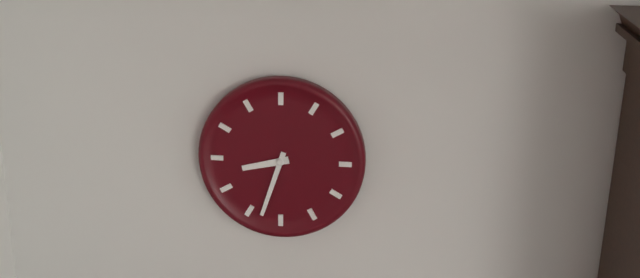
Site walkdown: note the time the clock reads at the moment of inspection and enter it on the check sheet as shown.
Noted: 8:33
